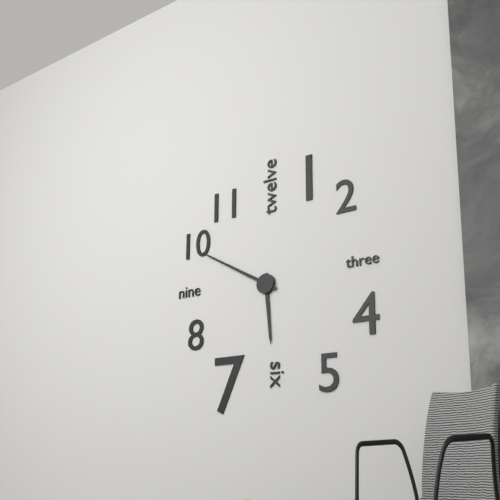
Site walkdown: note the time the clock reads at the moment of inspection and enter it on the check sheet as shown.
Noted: 5:50
